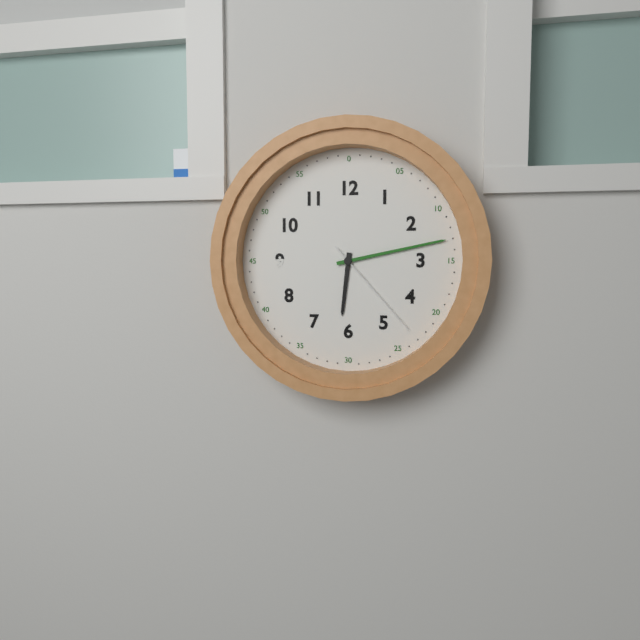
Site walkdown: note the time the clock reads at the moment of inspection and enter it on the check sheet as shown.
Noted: 6:13:23
